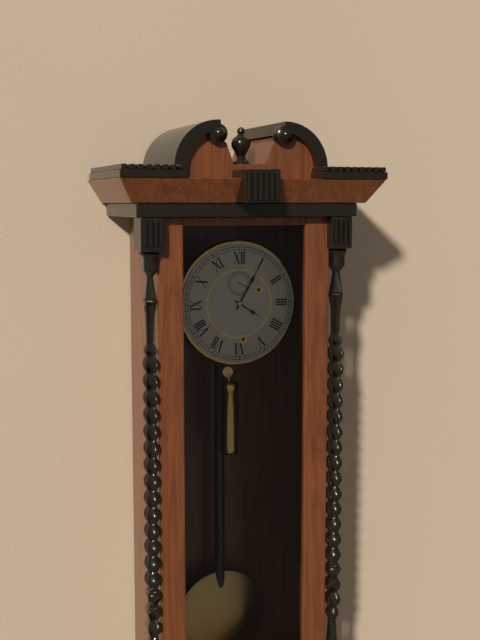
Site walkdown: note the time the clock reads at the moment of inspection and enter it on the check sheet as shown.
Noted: 4:05
